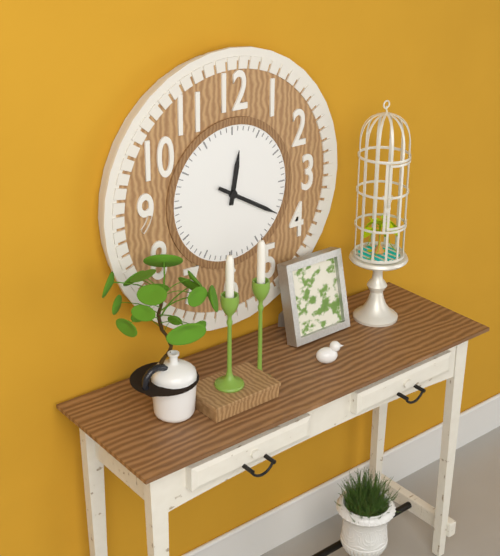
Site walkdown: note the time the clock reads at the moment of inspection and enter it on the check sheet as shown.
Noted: 12:20
